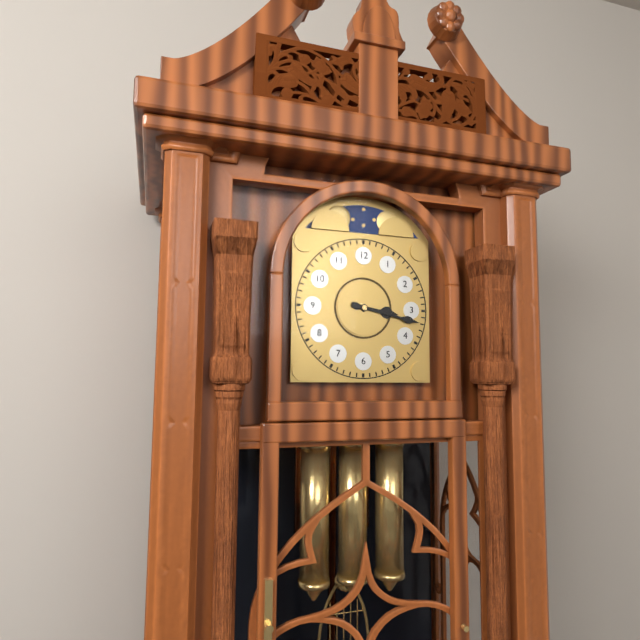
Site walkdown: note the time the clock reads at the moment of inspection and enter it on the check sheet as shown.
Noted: 3:17
